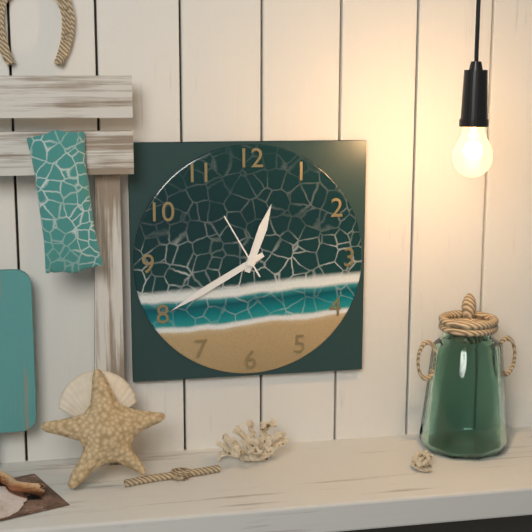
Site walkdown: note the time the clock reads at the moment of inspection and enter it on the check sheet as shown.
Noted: 12:40:55
